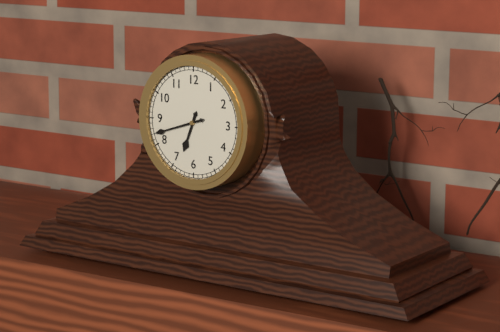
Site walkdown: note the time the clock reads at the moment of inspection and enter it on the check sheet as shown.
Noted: 6:42
